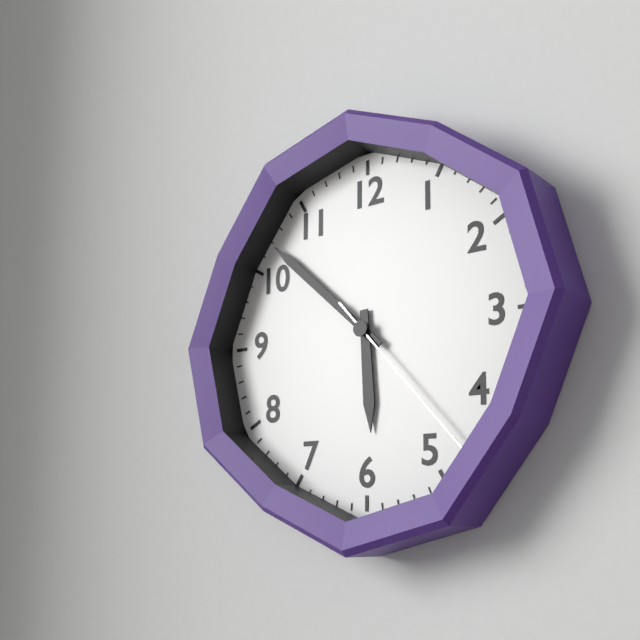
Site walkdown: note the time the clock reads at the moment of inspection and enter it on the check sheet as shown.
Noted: 5:52:23
